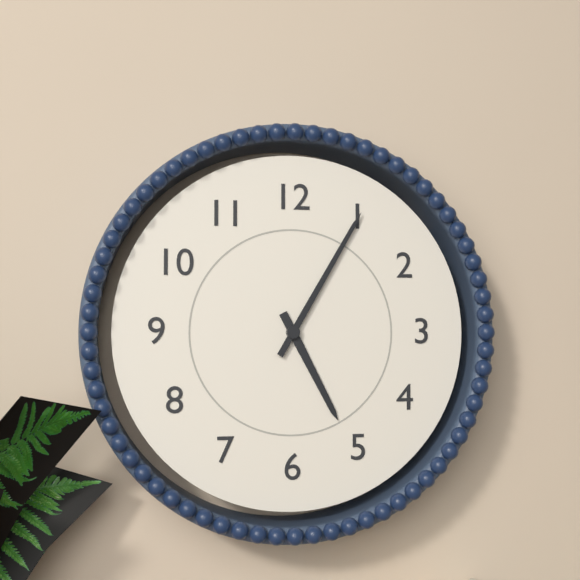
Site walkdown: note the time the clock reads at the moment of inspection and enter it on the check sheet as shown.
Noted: 5:05
